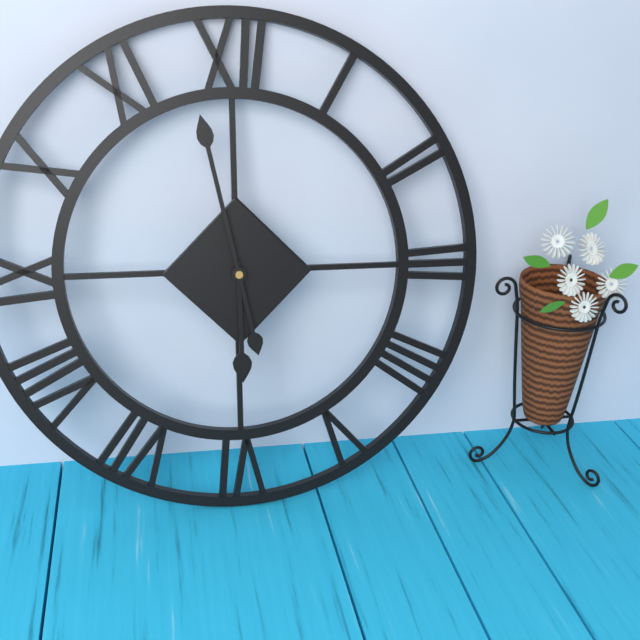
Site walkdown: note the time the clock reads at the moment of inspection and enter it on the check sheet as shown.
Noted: 5:58
